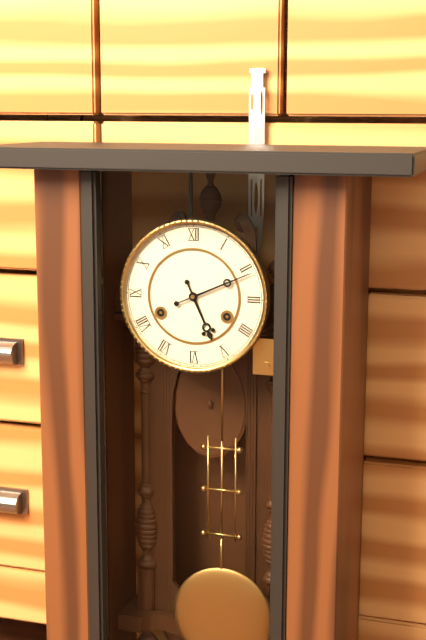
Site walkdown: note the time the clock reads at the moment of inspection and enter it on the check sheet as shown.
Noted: 5:11
